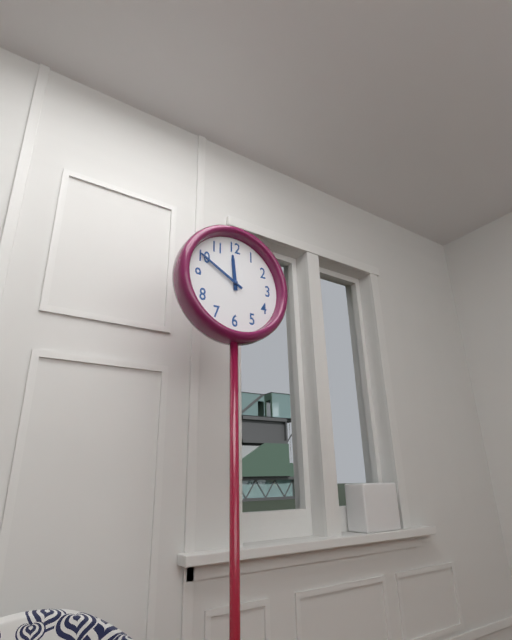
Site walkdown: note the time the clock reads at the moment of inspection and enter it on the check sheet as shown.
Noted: 11:50
